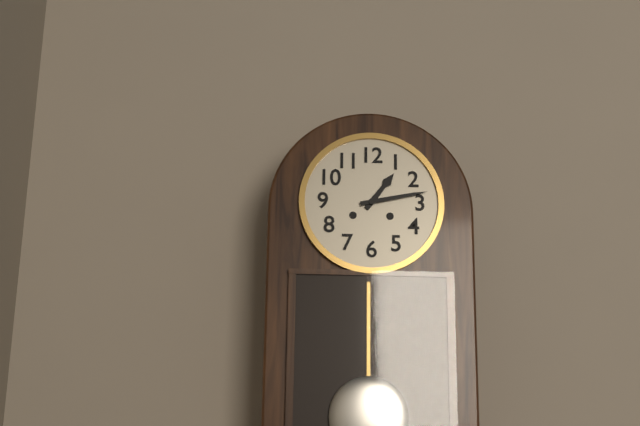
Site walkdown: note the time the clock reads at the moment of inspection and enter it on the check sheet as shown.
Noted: 1:13
